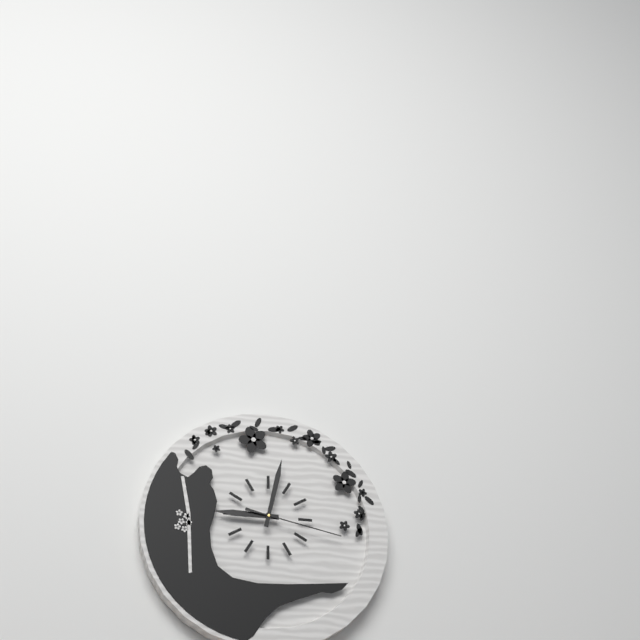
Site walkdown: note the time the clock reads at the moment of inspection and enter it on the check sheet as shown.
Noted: 9:02:17
